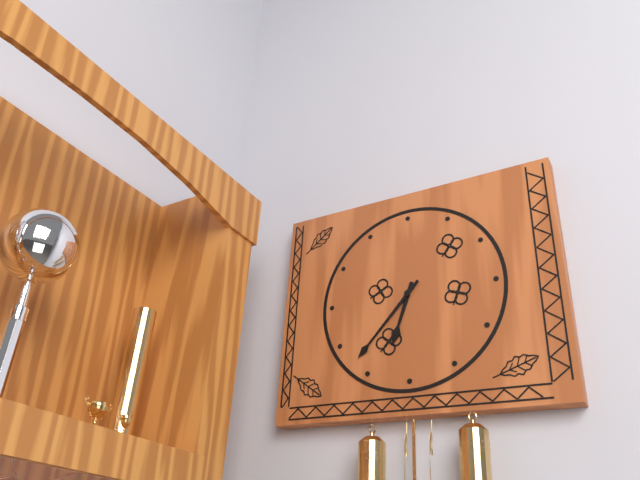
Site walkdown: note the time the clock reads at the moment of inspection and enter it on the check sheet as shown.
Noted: 6:37
